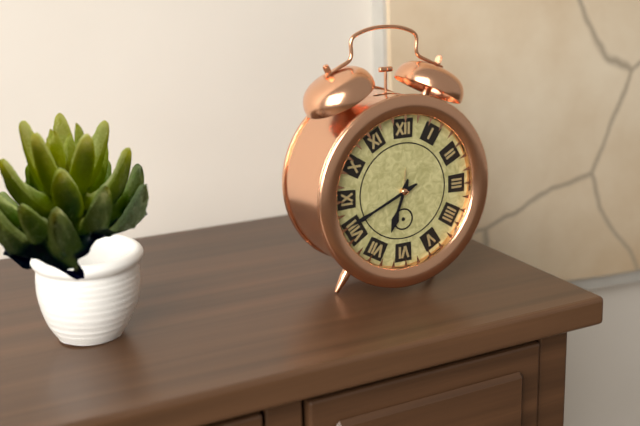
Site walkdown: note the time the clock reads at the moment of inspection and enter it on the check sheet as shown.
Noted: 6:41
